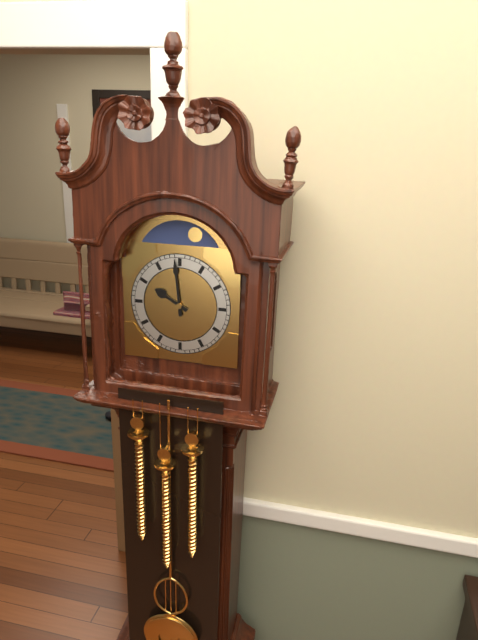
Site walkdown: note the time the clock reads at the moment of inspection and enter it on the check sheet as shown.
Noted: 9:59
